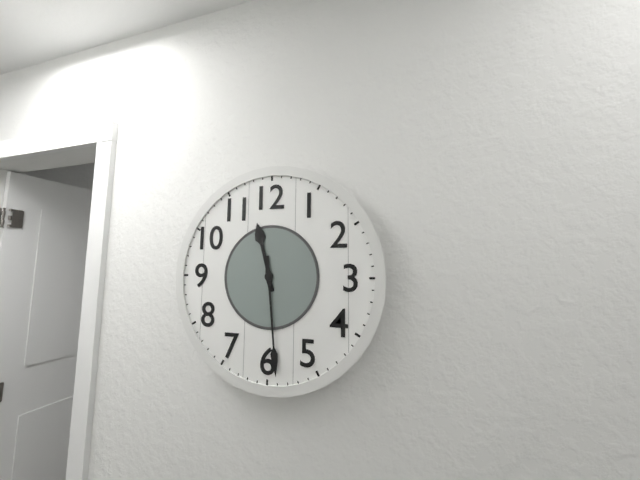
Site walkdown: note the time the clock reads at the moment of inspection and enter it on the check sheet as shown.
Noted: 11:29
